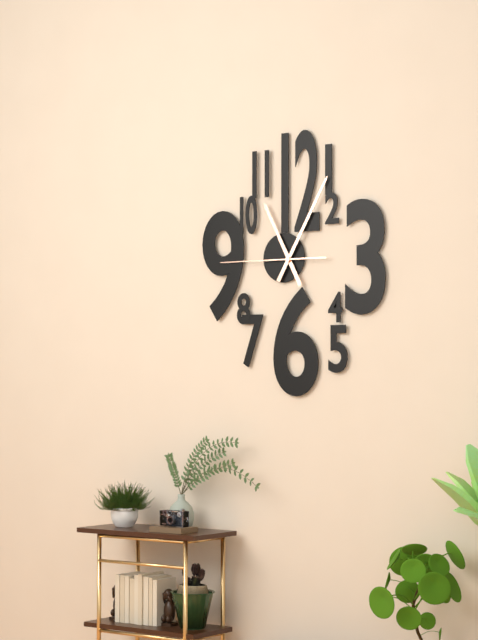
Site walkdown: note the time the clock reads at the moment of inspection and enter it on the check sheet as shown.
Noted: 11:05:45
